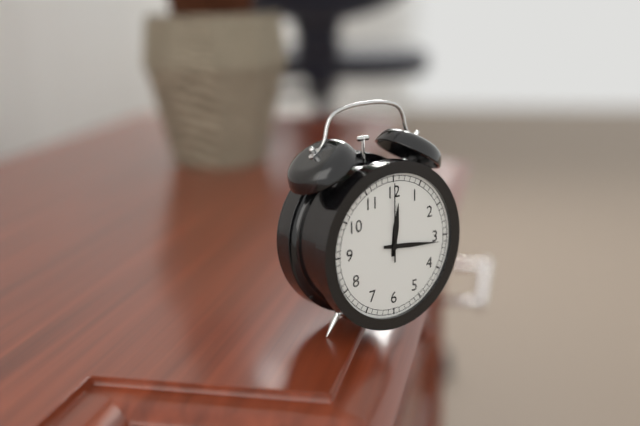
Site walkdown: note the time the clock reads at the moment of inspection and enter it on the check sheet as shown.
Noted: 12:16:00
